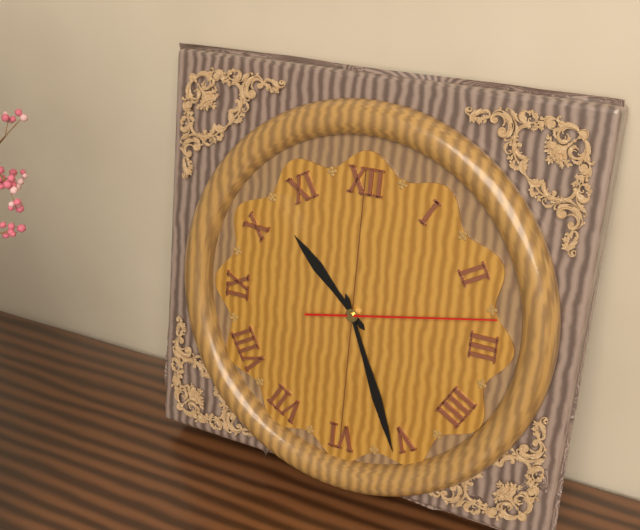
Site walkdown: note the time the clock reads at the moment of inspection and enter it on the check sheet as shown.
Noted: 10:26:13
